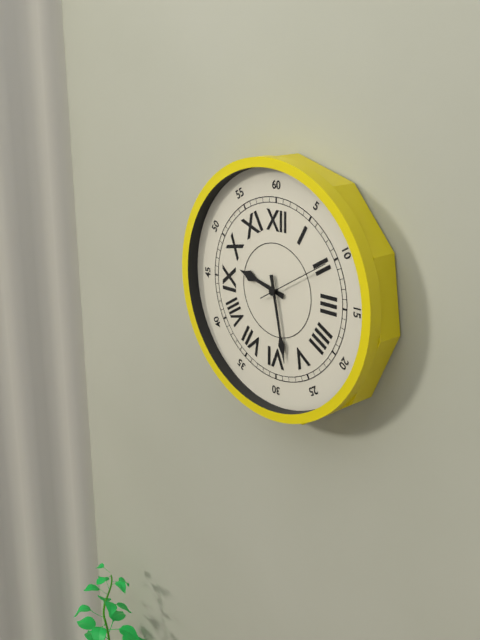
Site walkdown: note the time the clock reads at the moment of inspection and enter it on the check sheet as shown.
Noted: 9:28:10
